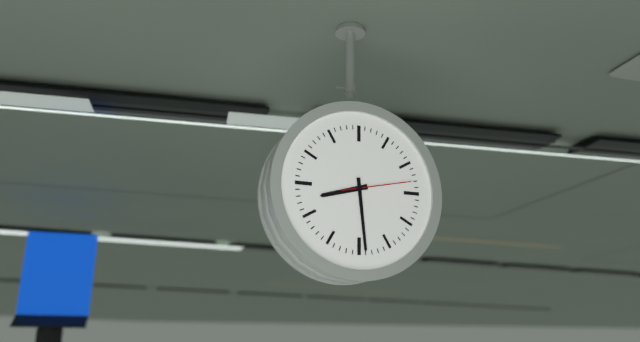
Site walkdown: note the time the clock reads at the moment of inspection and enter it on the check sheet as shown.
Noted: 8:29:13
